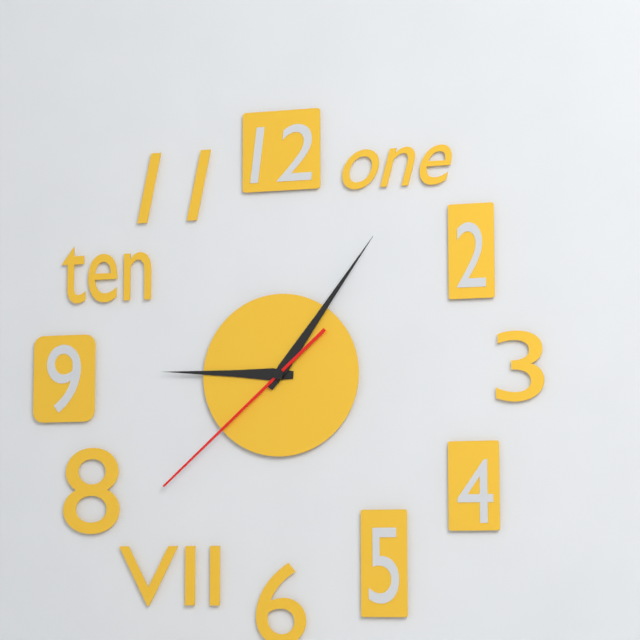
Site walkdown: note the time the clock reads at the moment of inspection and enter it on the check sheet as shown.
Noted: 9:06:38
